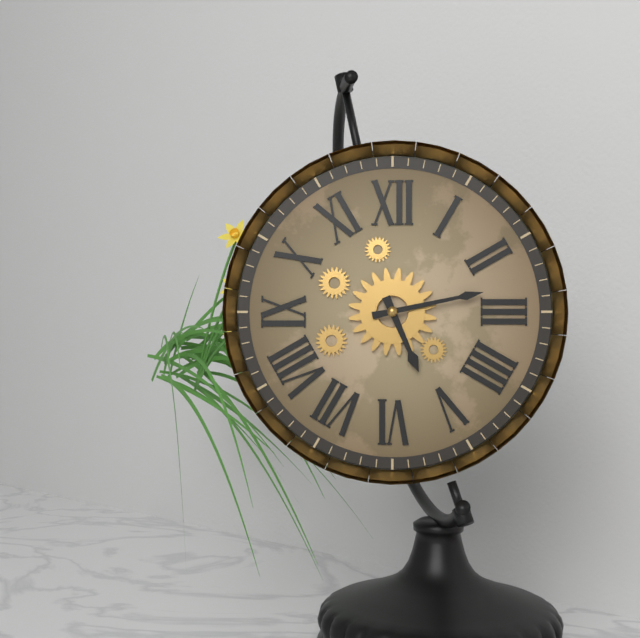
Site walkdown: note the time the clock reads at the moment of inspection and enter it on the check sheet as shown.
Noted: 5:13
